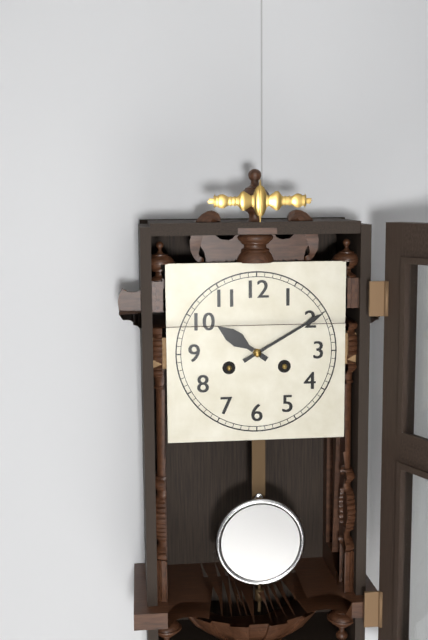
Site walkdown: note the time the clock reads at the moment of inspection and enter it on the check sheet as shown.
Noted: 10:10
